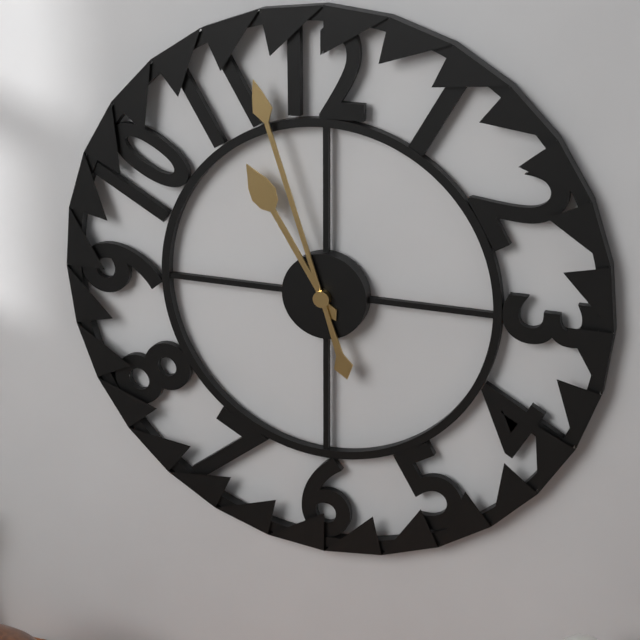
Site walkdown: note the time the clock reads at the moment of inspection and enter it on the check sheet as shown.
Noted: 10:57
